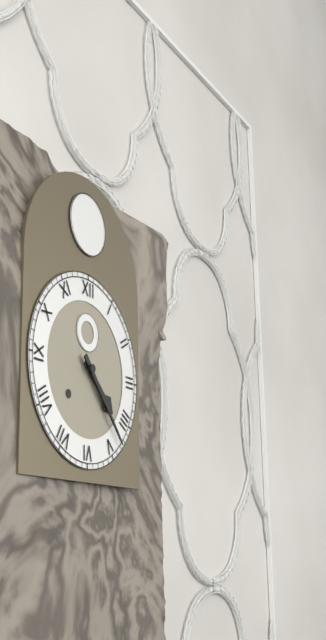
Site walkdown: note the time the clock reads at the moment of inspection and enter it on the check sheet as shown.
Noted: 4:23
